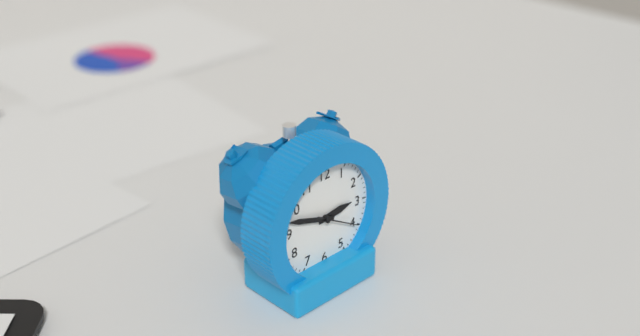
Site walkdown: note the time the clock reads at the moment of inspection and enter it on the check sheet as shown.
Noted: 2:48
